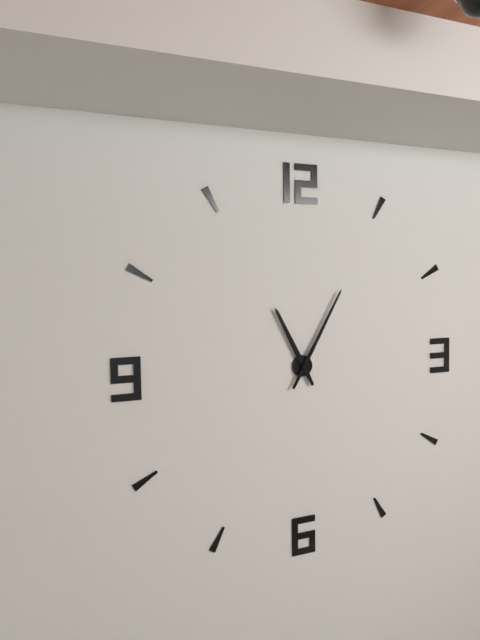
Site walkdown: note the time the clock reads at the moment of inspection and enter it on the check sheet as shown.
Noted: 11:05
